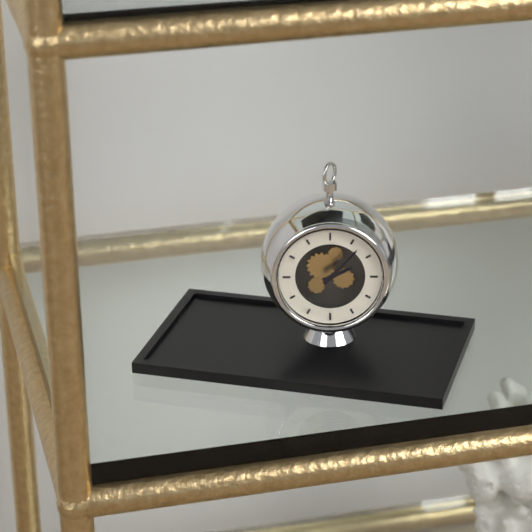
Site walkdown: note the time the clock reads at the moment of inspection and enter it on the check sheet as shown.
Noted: 2:07
